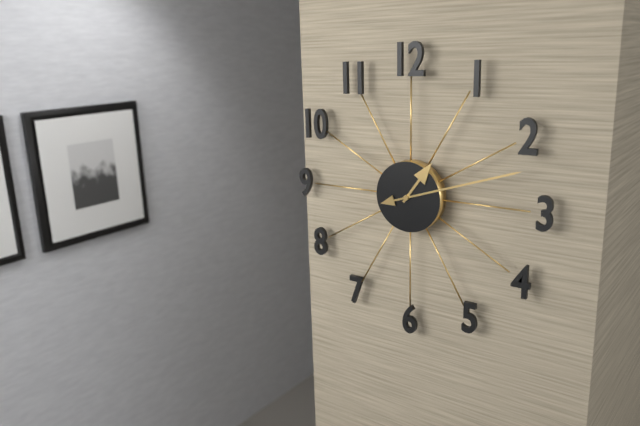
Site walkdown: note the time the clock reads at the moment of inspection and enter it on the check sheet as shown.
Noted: 1:12
